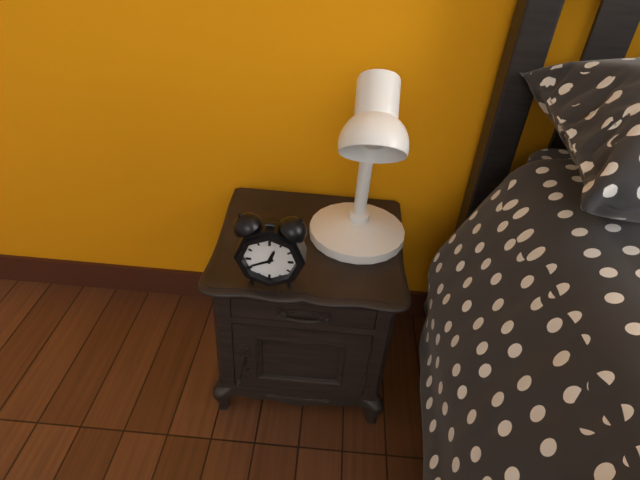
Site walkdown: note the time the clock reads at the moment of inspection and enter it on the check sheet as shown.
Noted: 12:41
